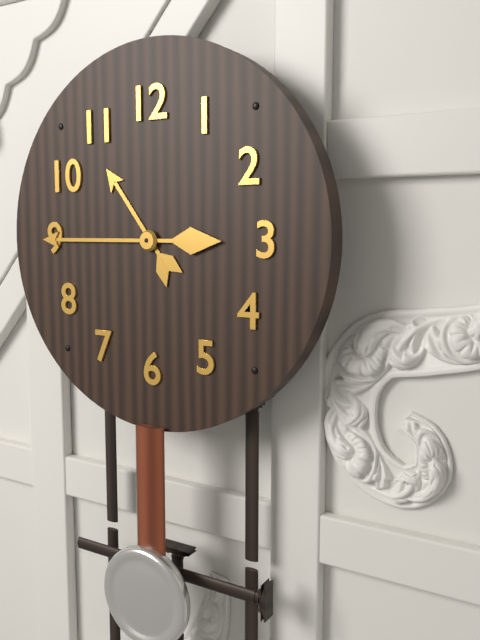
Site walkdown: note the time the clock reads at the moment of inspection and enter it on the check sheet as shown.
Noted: 10:45
